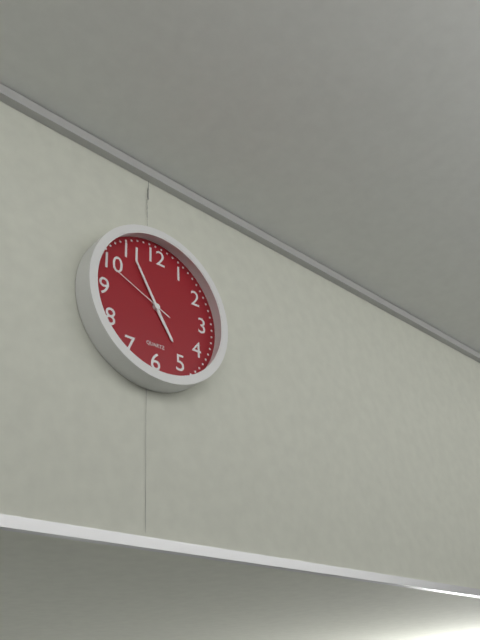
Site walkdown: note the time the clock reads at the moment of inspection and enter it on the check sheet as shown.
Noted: 4:55:49
